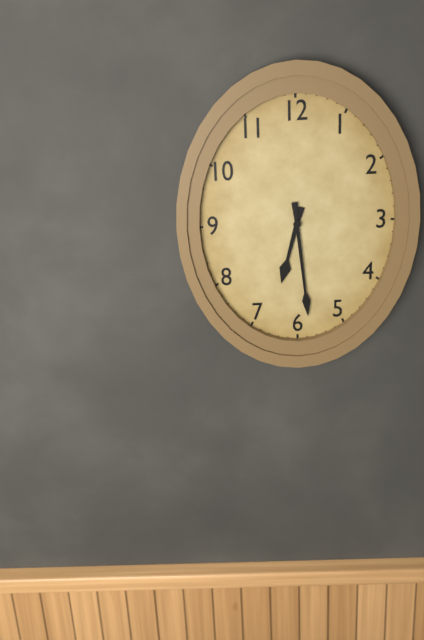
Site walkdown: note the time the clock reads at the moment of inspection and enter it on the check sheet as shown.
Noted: 6:29
